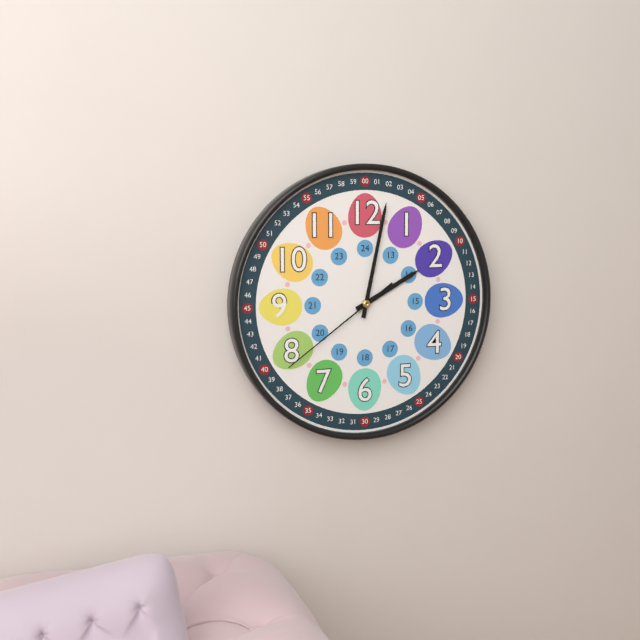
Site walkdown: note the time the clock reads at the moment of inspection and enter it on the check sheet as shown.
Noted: 2:02:39
